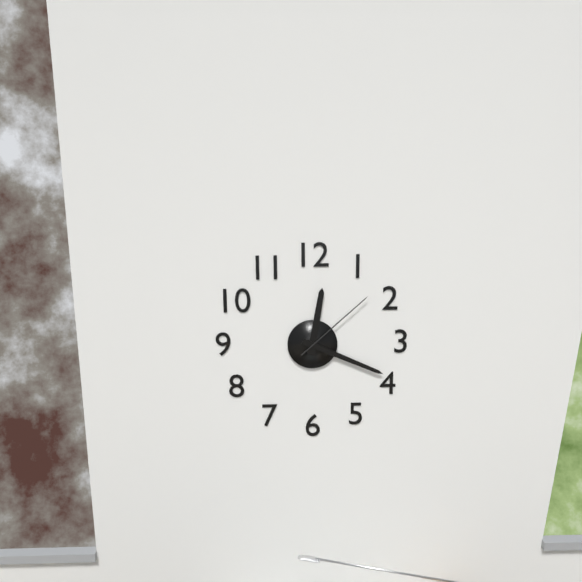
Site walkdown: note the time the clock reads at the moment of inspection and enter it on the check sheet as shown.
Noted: 12:19:08
